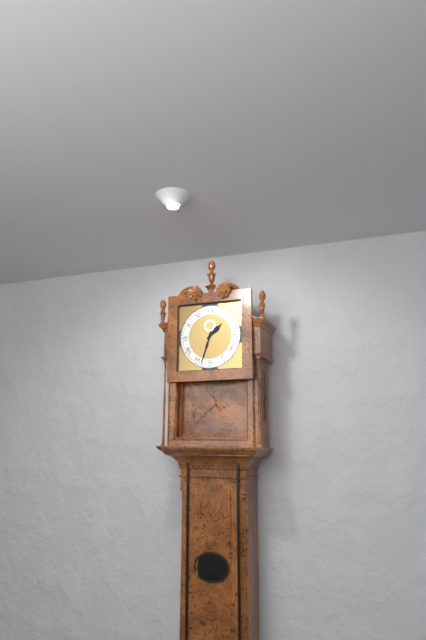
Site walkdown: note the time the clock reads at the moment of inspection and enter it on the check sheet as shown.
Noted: 1:33
